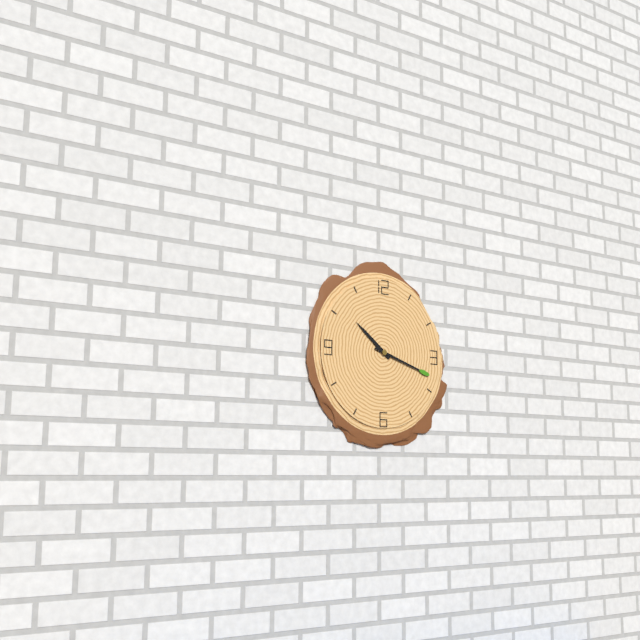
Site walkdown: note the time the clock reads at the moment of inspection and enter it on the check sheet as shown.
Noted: 10:18
